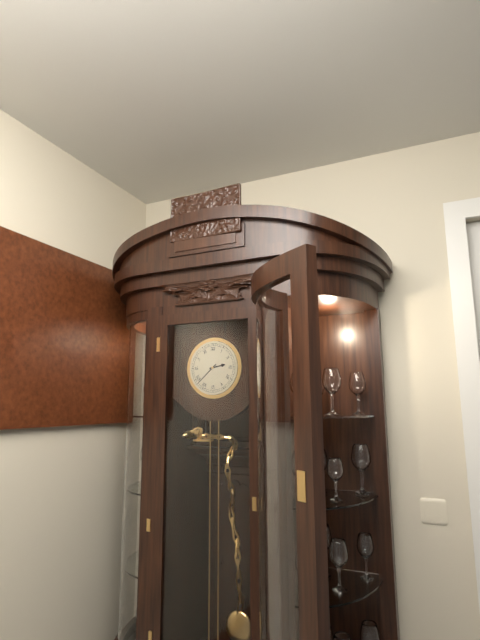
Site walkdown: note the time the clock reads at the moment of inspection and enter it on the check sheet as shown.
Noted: 2:38
